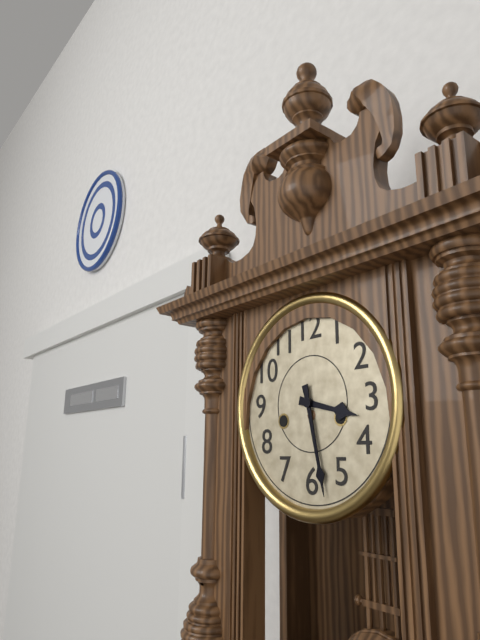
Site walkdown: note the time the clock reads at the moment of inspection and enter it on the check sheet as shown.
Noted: 3:28
